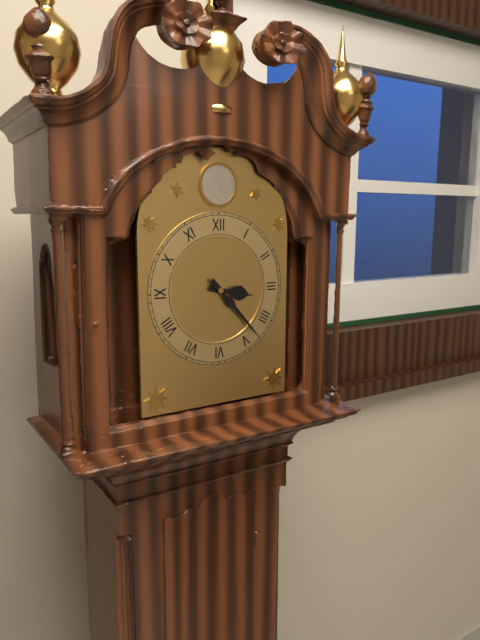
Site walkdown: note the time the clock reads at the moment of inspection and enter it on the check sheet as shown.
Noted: 3:23
